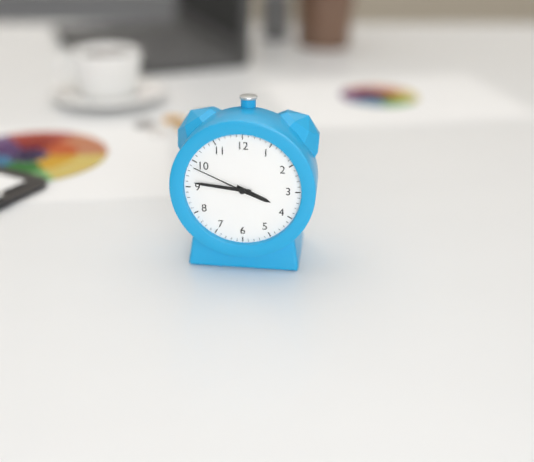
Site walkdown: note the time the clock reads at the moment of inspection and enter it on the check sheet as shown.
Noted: 3:46:49
